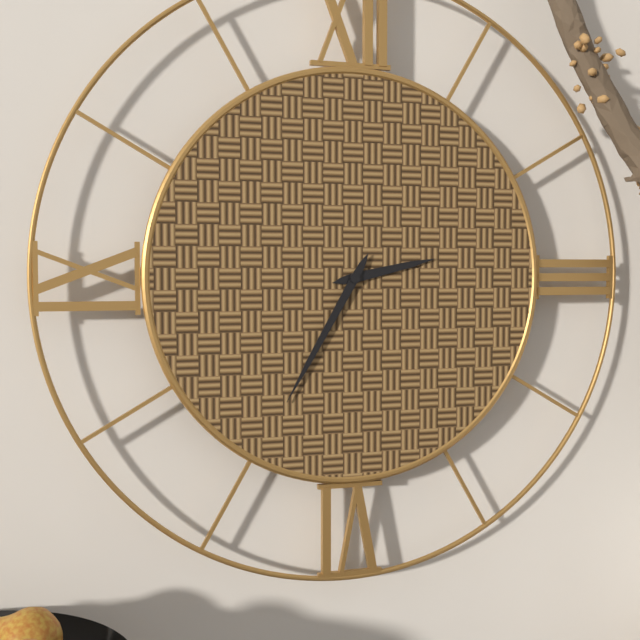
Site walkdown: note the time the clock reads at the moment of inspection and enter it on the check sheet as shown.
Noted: 2:35
